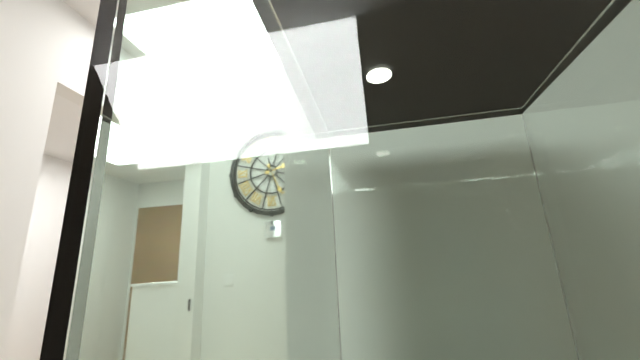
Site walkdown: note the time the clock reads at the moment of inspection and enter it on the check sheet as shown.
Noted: 2:26
